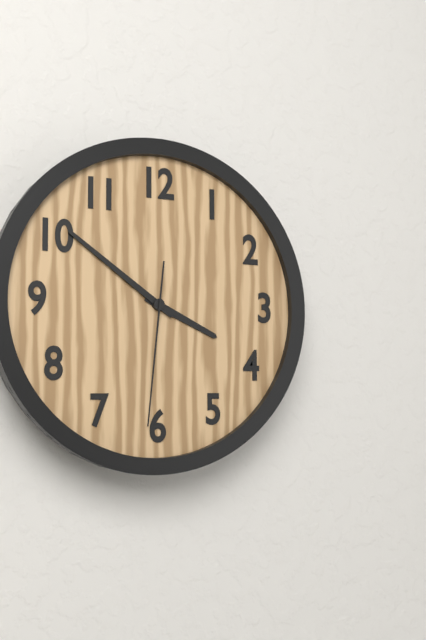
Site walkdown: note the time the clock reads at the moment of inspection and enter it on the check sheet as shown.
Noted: 3:51:31
